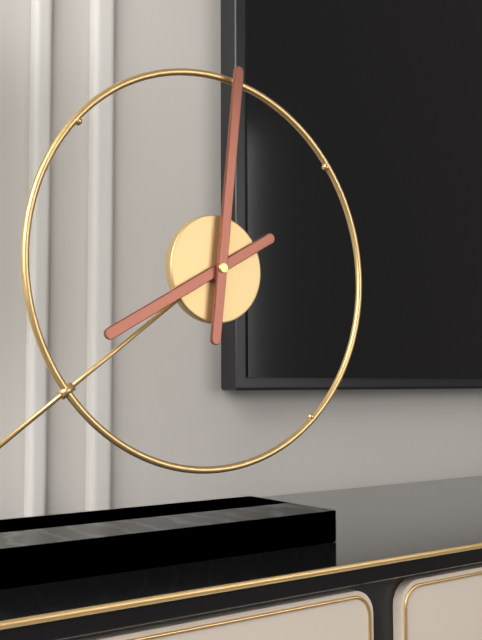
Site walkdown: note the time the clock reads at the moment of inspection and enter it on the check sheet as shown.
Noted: 8:01
